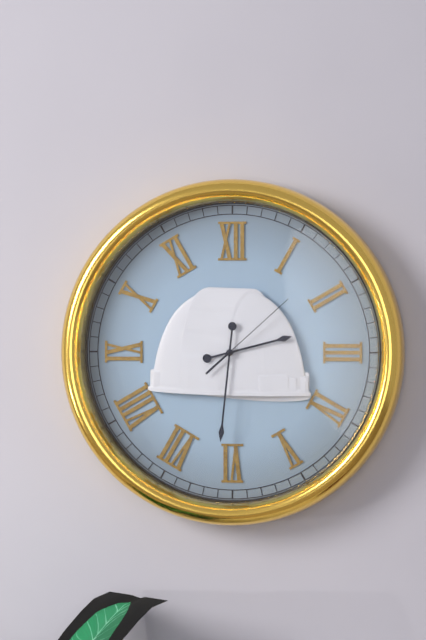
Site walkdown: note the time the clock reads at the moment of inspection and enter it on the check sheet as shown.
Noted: 2:31:08
